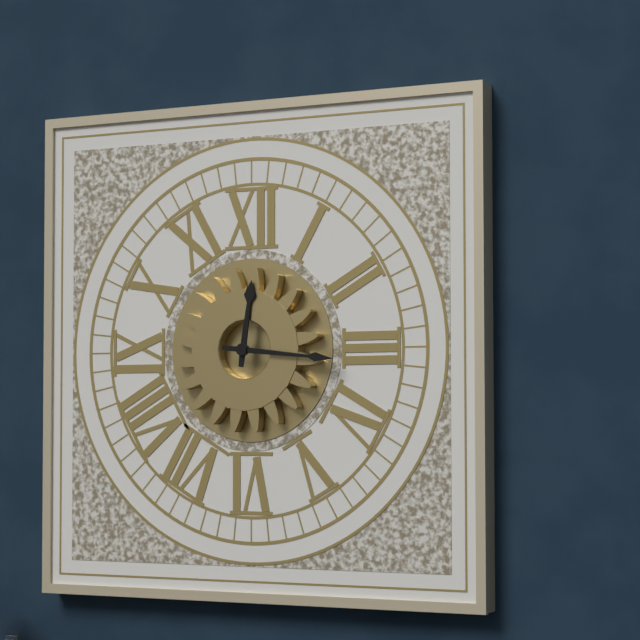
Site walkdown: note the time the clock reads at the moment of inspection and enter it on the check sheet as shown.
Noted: 12:16
